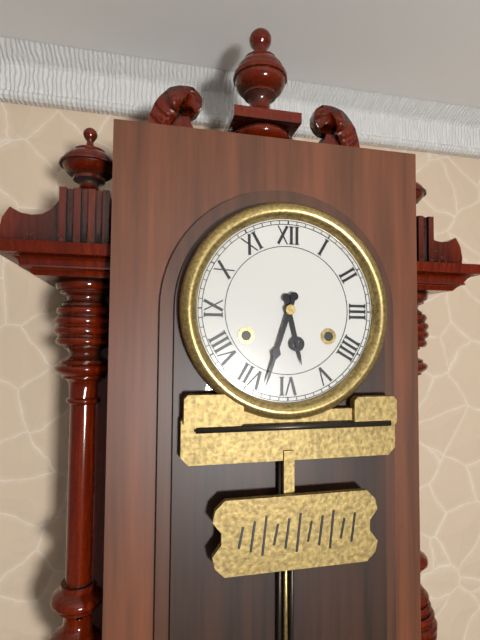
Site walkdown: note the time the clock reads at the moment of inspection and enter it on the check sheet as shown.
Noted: 5:33
